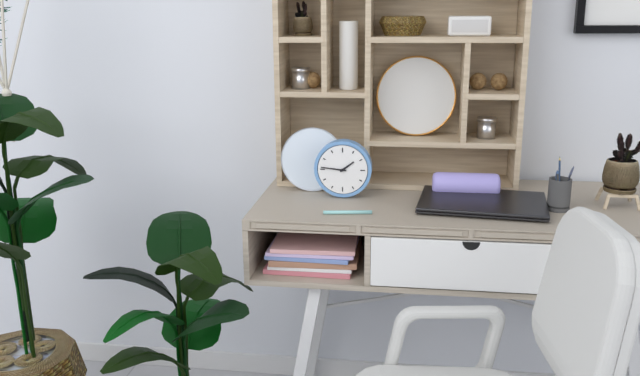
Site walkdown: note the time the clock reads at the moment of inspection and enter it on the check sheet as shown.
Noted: 1:46
